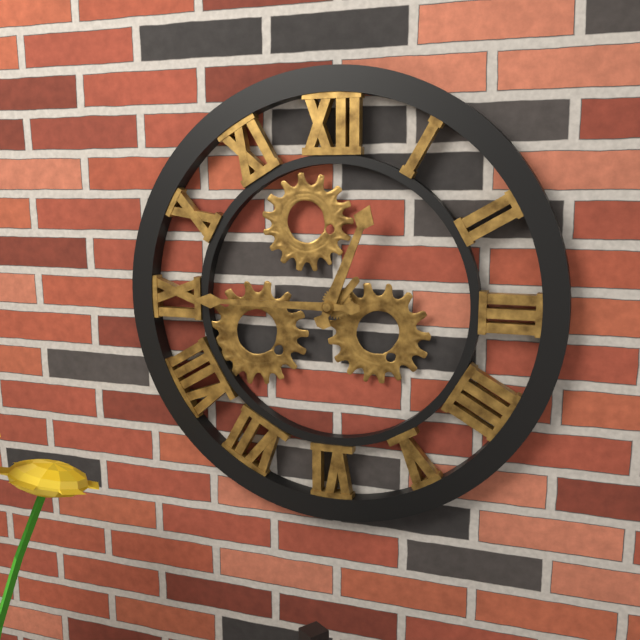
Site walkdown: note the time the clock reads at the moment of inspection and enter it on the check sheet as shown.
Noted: 12:45
